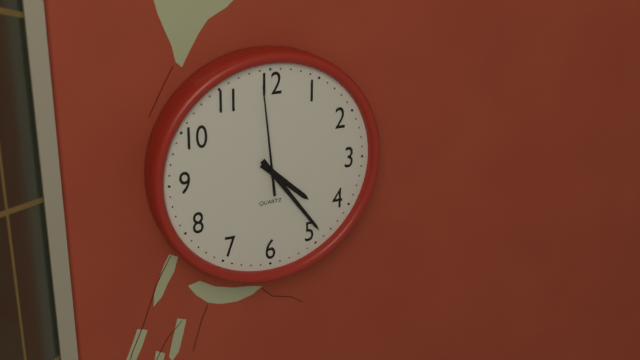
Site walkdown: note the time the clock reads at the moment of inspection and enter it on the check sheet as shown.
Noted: 4:24:59
